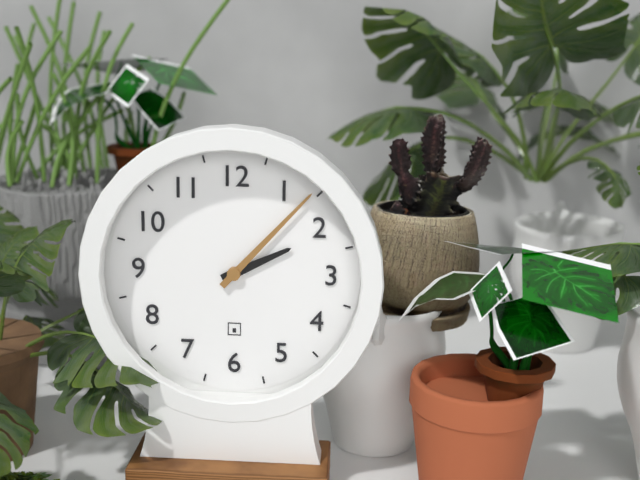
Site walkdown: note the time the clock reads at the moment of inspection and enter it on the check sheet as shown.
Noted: 2:07
